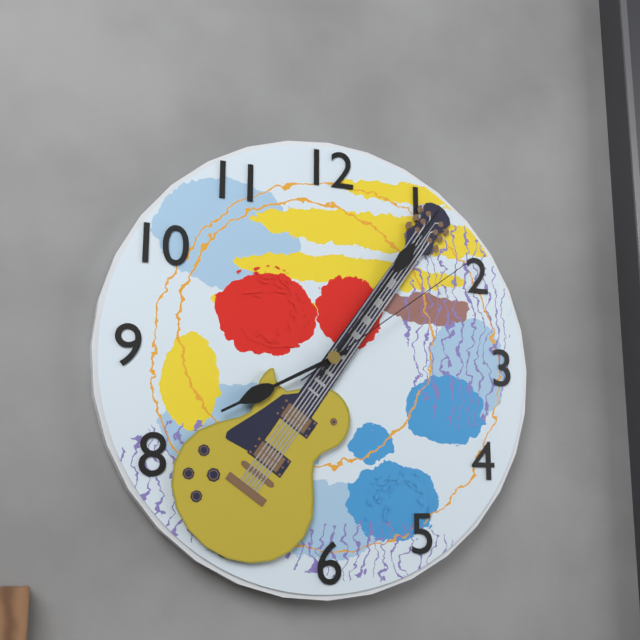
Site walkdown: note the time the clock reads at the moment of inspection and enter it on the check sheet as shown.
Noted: 8:06:09
